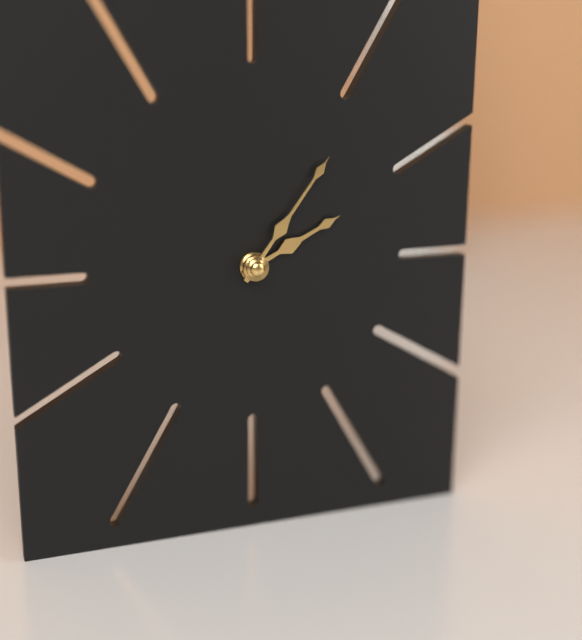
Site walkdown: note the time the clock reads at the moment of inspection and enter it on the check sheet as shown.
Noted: 2:06
